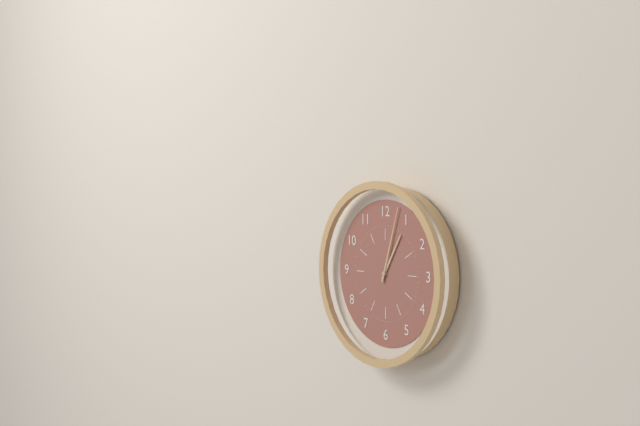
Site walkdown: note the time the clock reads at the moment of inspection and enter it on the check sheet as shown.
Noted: 1:03
